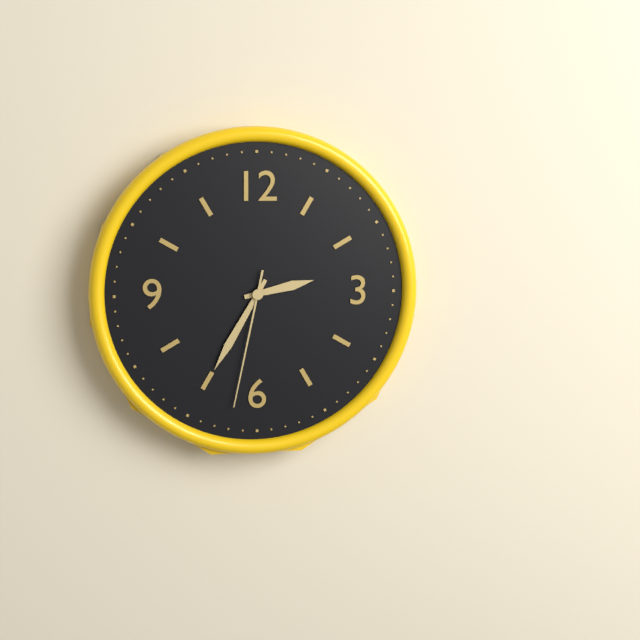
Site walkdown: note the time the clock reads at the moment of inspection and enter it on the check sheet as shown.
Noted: 2:35:32
